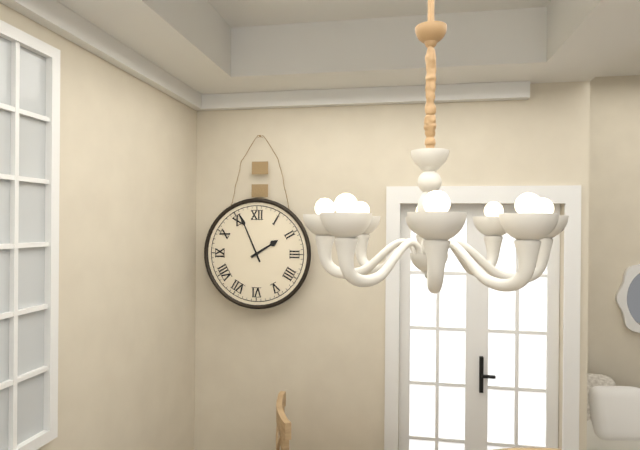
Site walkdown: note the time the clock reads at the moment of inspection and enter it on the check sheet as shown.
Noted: 1:56
